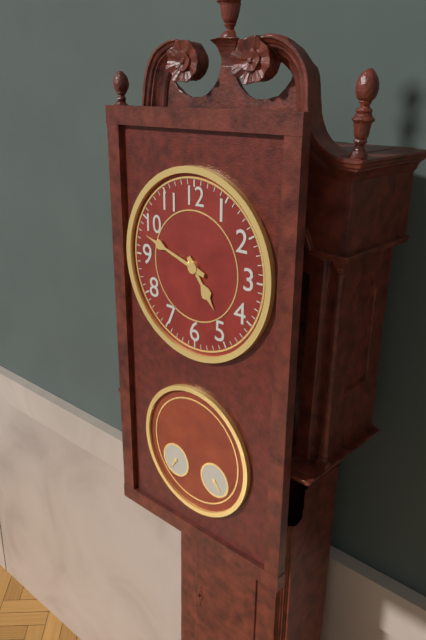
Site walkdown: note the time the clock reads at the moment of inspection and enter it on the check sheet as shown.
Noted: 4:48
